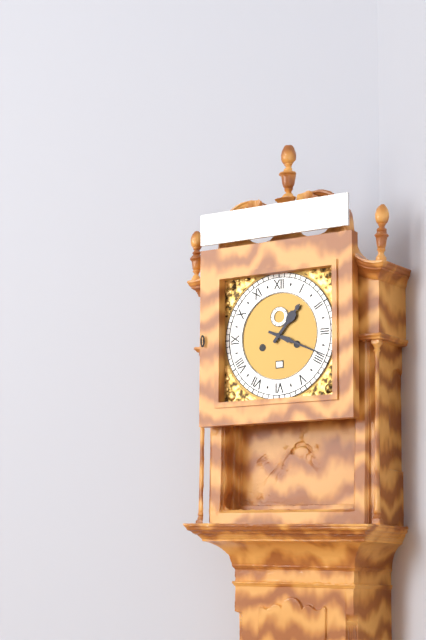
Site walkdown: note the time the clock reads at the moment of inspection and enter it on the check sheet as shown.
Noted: 1:19
